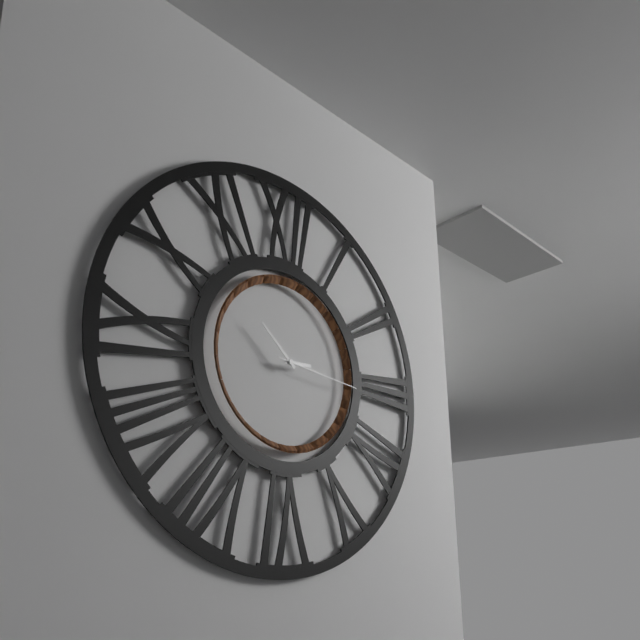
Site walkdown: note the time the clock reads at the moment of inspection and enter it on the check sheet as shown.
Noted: 2:52:16
